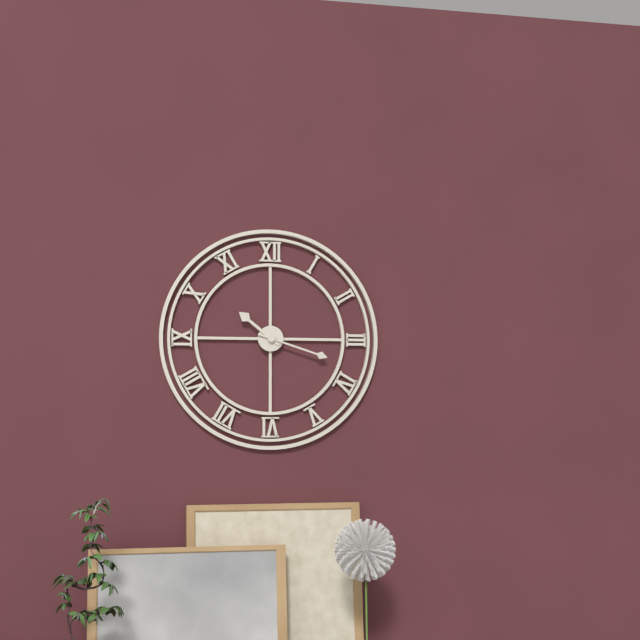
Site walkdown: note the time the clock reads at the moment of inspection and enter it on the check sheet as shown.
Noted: 10:18
